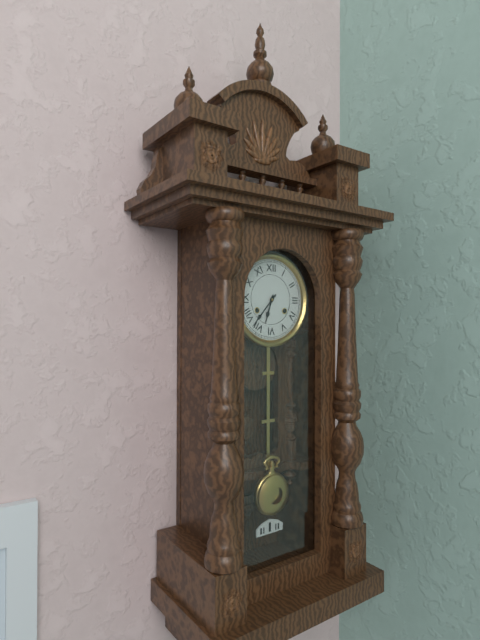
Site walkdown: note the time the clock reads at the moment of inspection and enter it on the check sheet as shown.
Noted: 6:37
